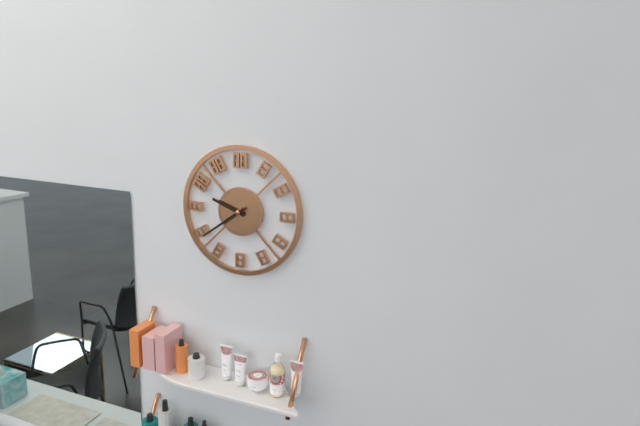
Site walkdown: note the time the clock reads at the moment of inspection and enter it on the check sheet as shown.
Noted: 9:39
